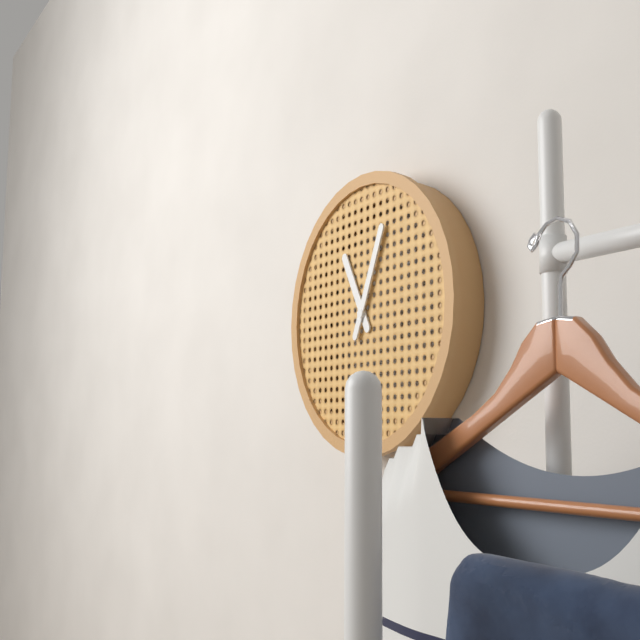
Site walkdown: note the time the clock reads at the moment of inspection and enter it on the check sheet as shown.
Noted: 11:04
